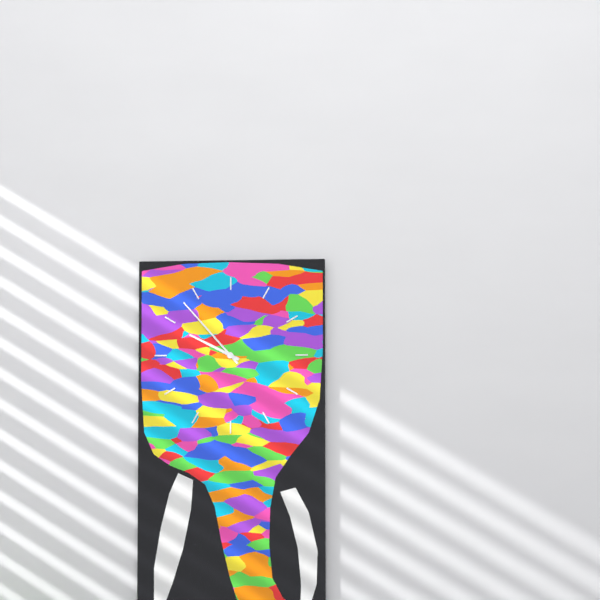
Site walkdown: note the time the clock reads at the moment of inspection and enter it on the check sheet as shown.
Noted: 9:53
